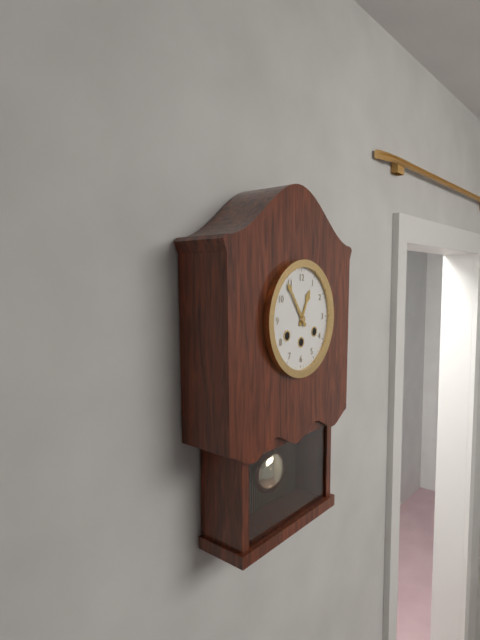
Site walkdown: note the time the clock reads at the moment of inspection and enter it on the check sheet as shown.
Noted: 12:54
